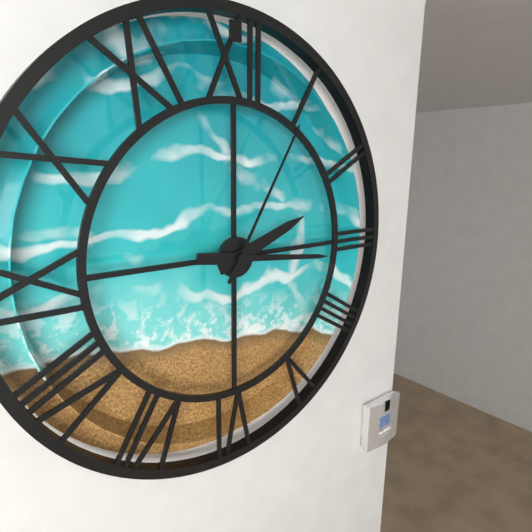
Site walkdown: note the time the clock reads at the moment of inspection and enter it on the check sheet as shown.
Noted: 2:16:05
